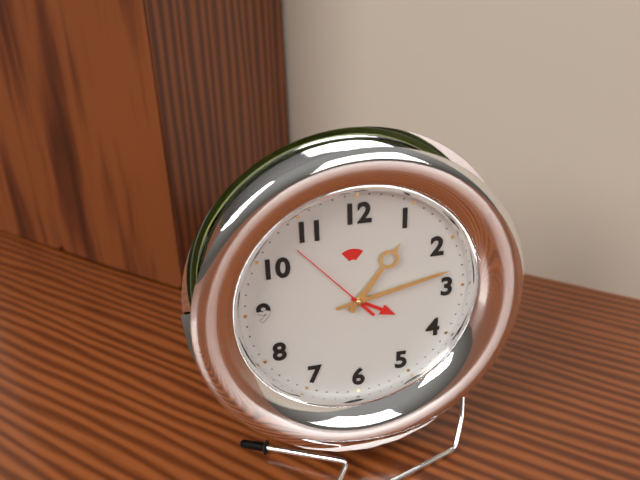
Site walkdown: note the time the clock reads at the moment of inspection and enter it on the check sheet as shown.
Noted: 1:13:53
